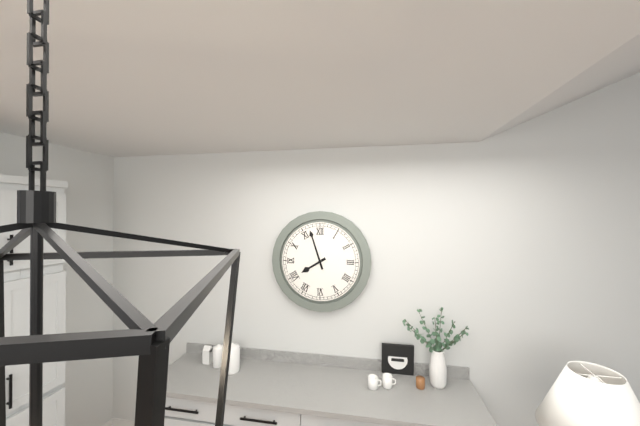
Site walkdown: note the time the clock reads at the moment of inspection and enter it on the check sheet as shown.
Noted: 7:57
